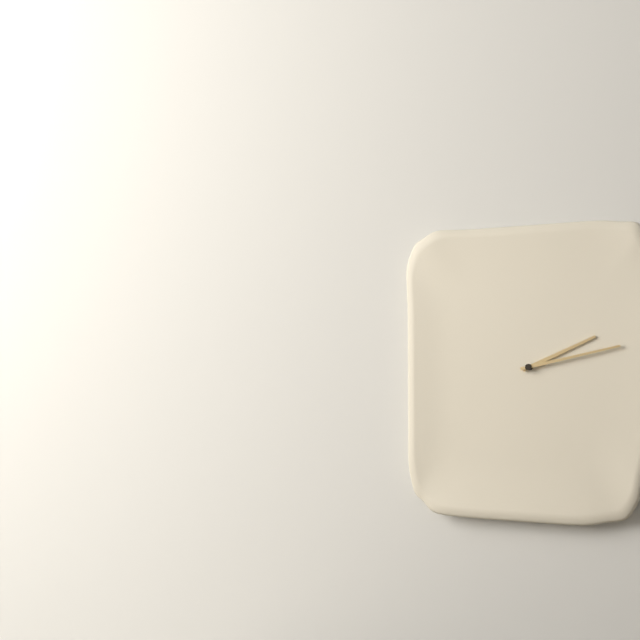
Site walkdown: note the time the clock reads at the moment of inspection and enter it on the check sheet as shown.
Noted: 2:13
